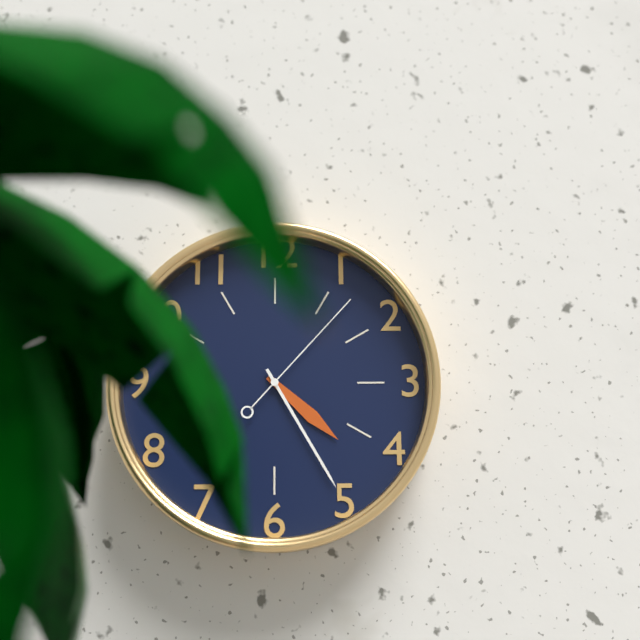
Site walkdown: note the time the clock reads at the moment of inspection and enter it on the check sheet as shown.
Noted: 4:25:07
